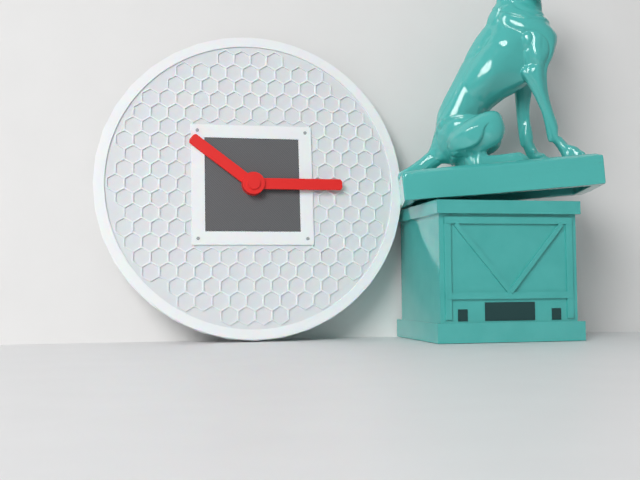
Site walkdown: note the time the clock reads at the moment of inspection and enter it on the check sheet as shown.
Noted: 10:15
